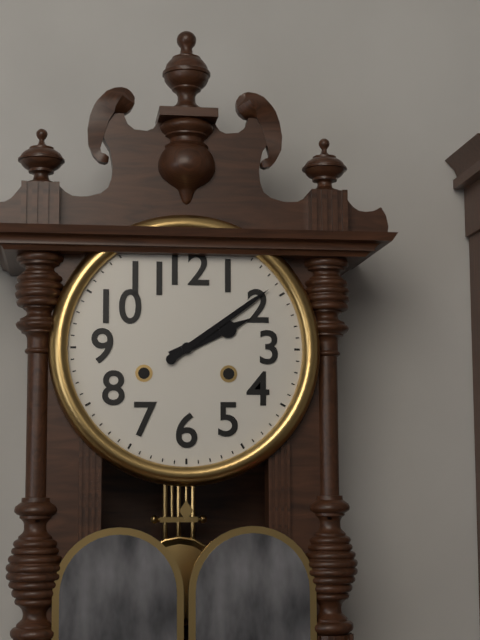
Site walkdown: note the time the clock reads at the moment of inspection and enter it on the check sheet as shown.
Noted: 2:09
